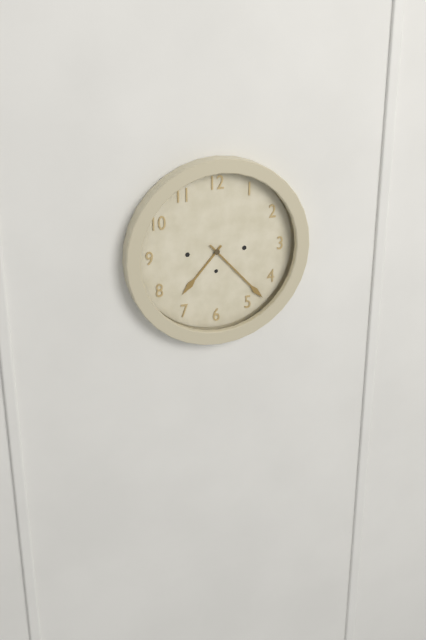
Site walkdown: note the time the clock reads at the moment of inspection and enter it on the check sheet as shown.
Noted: 7:23
